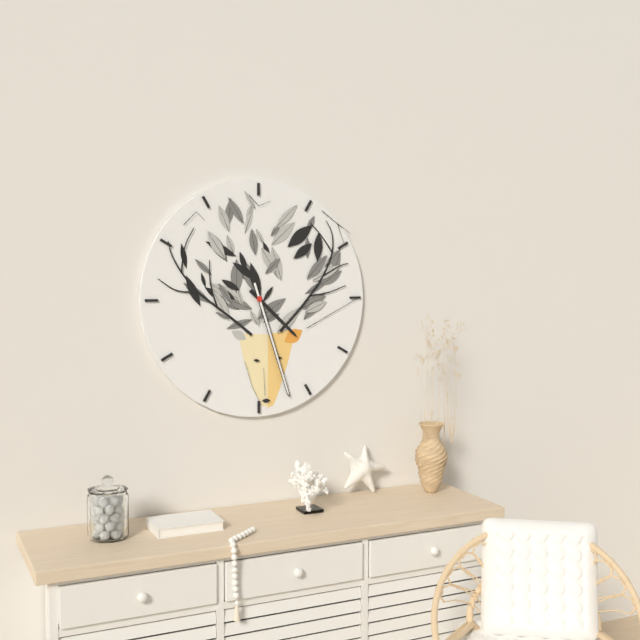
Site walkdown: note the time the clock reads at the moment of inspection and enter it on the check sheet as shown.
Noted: 4:27
